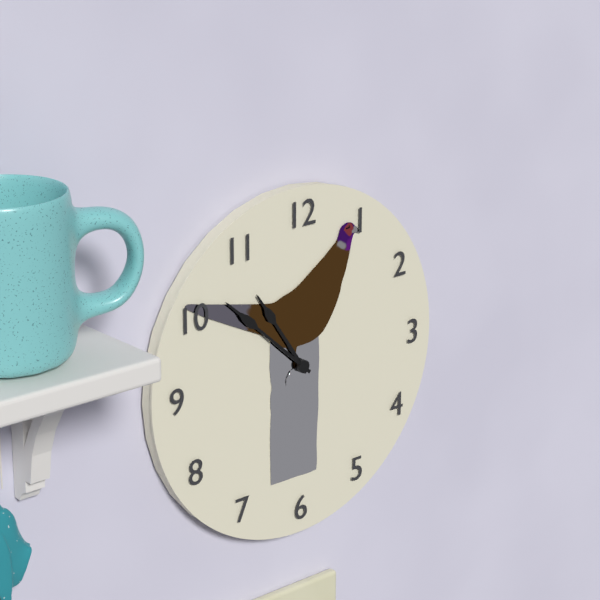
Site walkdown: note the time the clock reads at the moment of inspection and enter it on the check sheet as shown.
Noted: 10:52
